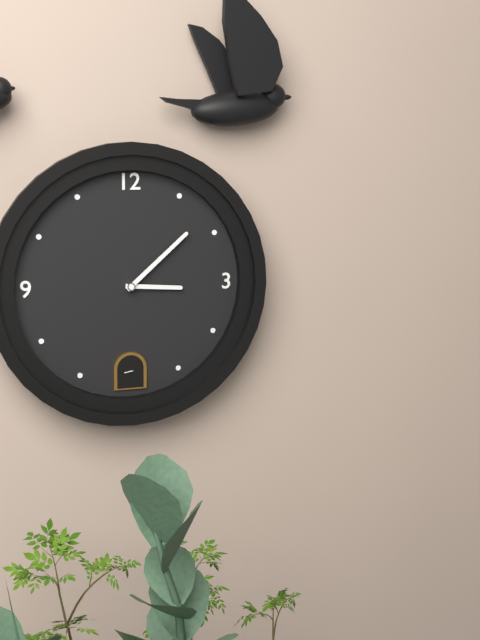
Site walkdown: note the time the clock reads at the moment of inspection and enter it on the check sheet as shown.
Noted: 3:08
